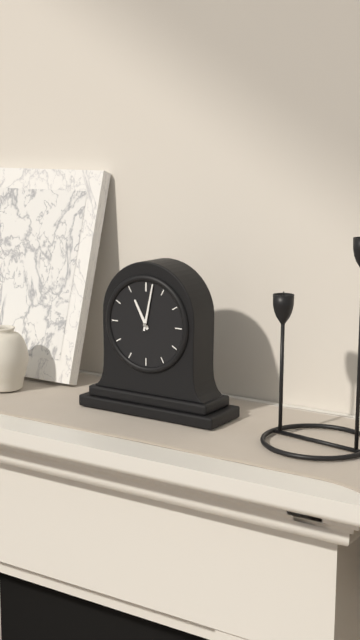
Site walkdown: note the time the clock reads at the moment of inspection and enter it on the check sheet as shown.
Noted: 11:02
